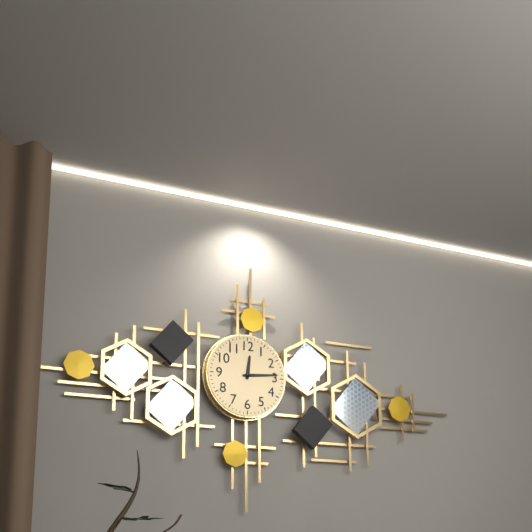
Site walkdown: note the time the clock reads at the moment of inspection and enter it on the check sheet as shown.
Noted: 12:14
